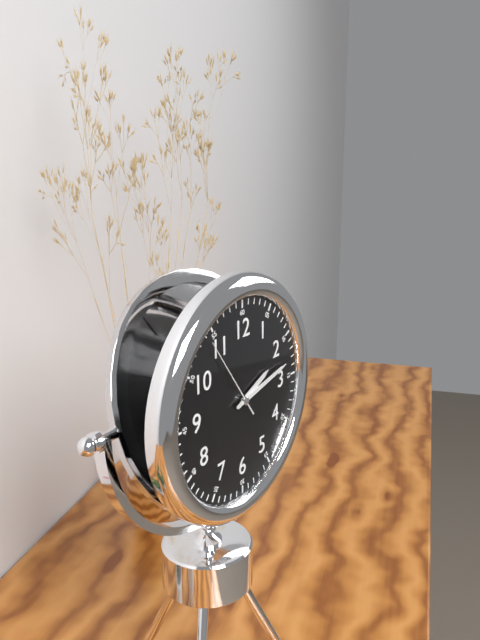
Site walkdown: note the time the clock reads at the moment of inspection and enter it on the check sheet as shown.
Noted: 2:13:54
